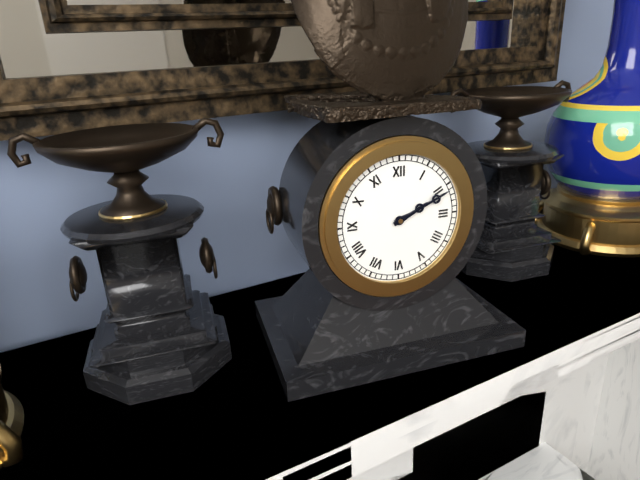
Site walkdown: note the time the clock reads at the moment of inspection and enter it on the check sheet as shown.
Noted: 2:11
